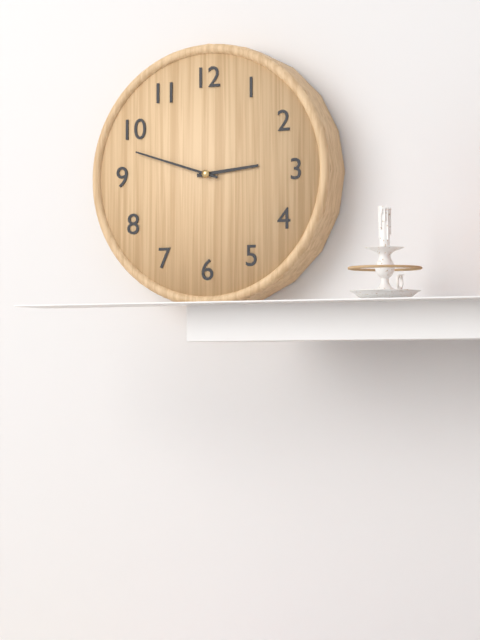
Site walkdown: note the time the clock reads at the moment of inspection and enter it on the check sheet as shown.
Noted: 2:48
